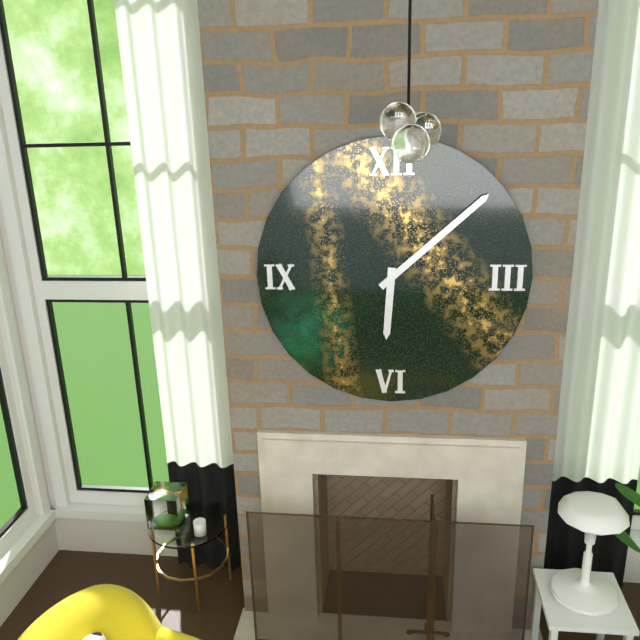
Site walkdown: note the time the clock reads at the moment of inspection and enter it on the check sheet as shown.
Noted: 6:08
